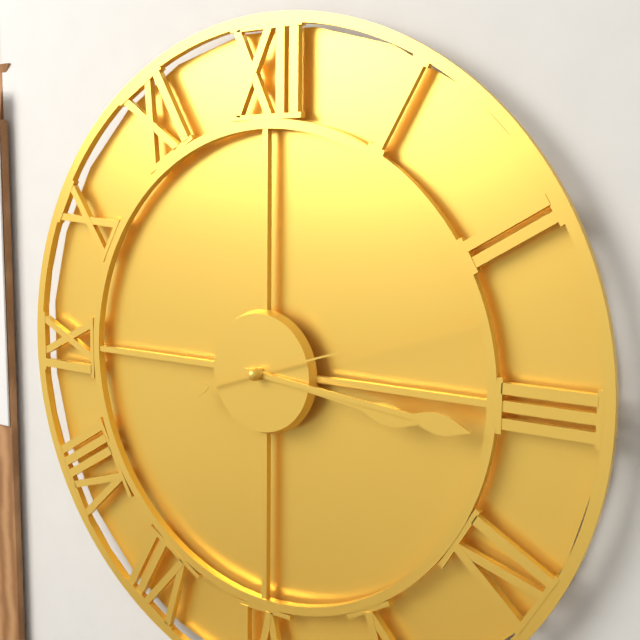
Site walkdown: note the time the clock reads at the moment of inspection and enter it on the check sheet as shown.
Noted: 3:16:12
